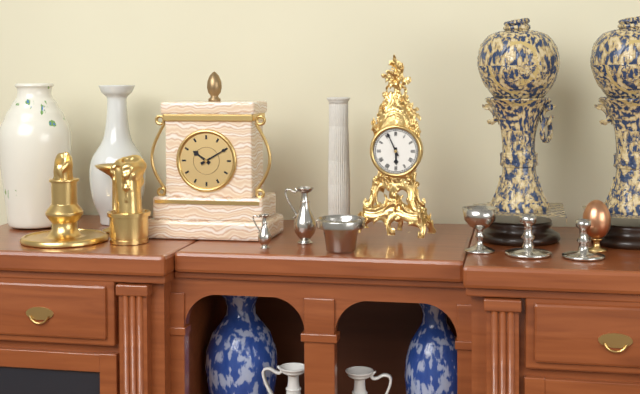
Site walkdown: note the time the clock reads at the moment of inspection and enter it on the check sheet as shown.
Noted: 5:56
